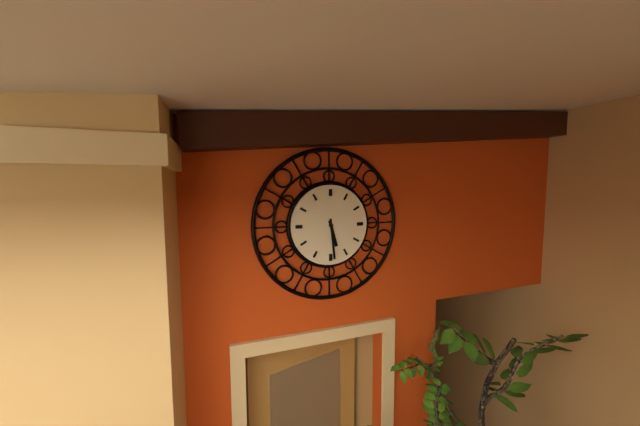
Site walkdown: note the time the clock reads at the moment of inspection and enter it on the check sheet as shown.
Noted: 5:29
